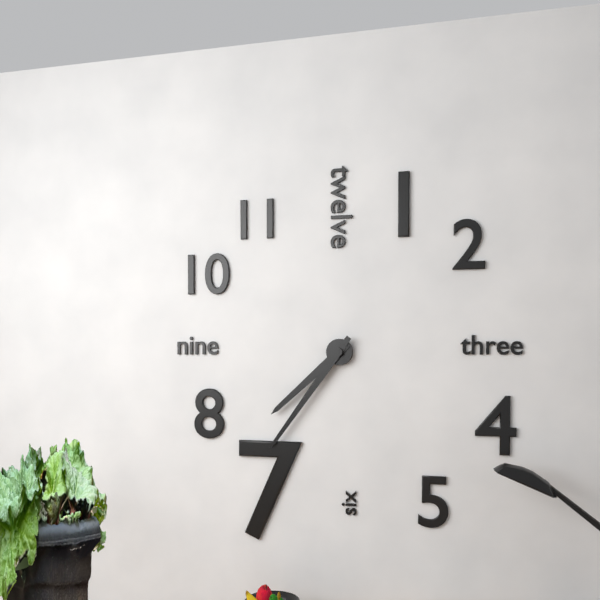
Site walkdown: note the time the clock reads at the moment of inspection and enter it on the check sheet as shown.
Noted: 7:36
